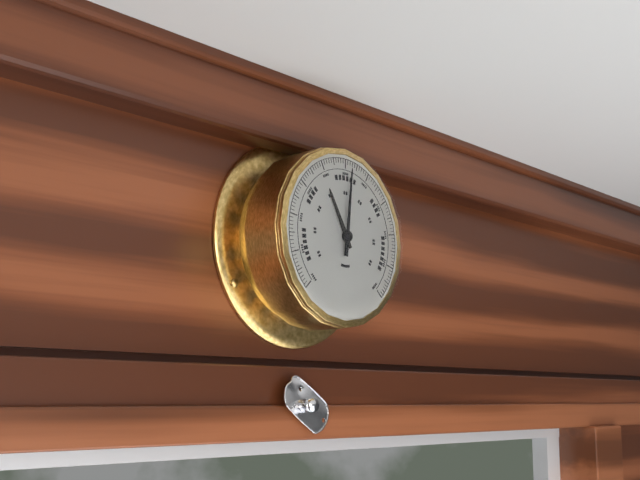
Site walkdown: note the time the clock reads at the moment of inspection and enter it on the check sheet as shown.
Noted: 11:01
